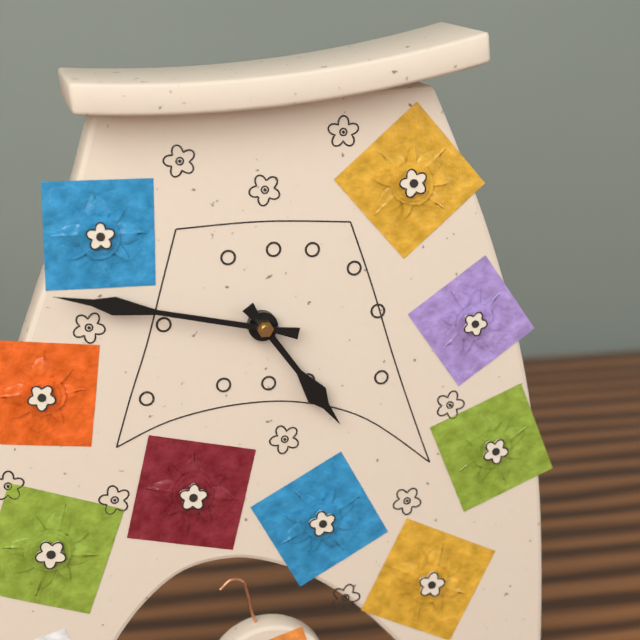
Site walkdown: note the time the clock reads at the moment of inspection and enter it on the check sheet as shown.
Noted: 4:47
